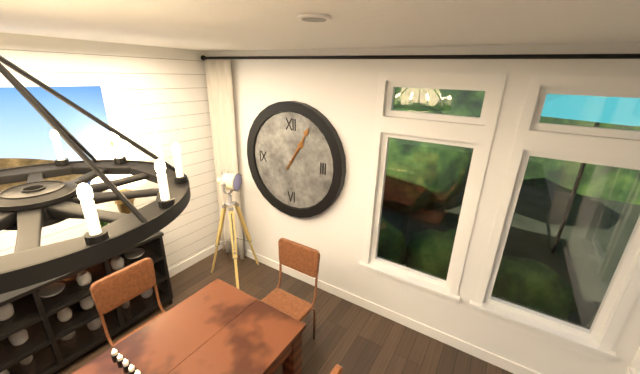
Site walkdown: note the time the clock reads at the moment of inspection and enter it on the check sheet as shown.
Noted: 1:05
